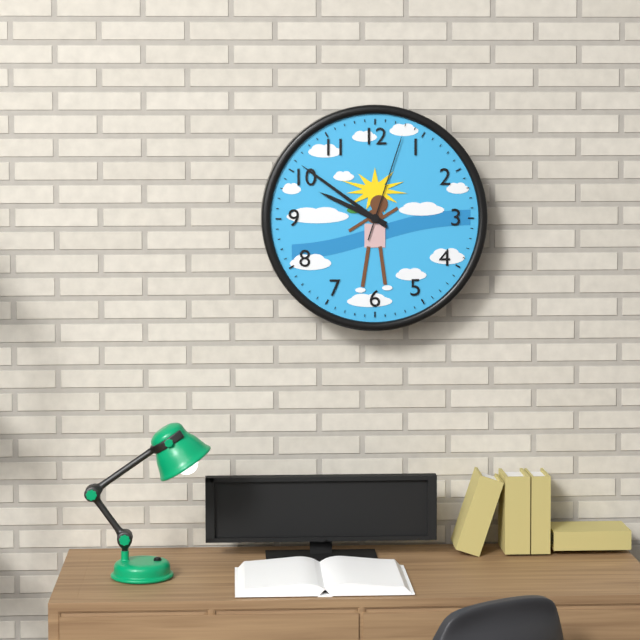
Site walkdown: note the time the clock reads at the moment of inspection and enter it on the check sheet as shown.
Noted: 9:51:03
